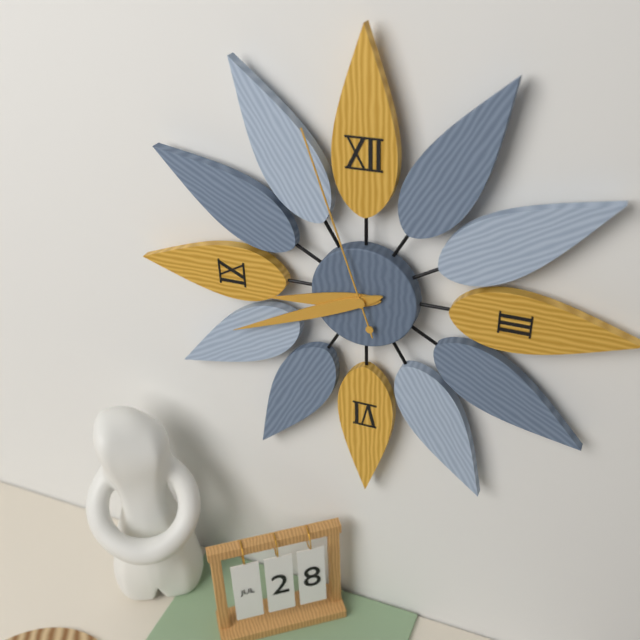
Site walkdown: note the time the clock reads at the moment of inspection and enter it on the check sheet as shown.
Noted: 8:41:57
